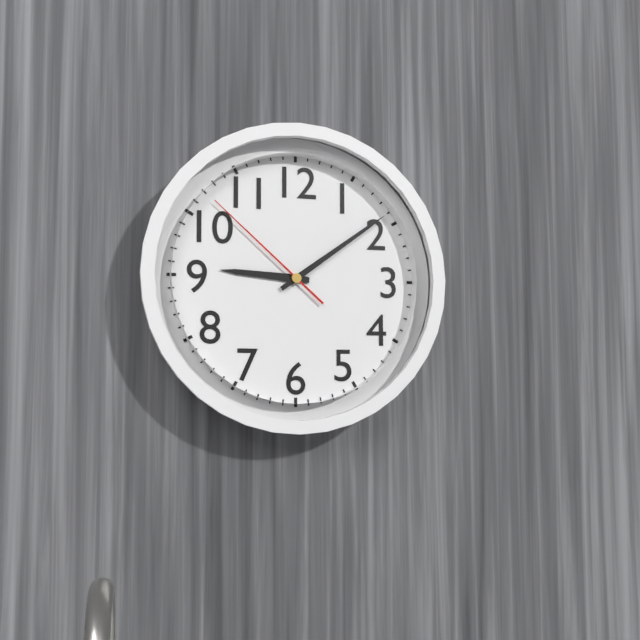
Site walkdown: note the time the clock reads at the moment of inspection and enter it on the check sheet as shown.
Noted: 9:09:52
